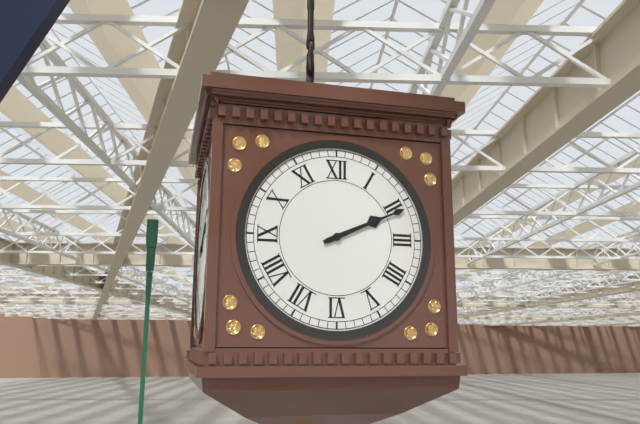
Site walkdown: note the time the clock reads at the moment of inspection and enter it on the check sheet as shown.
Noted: 2:11
